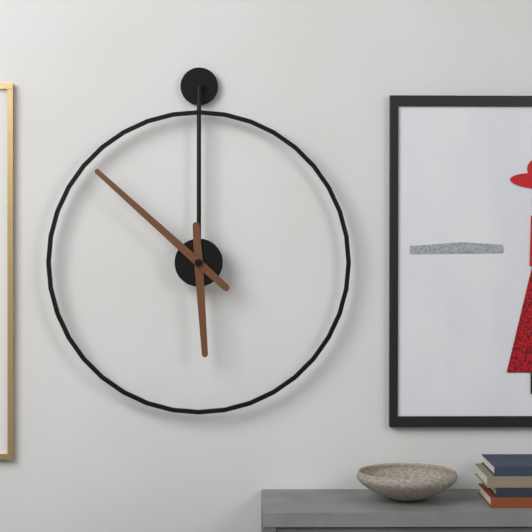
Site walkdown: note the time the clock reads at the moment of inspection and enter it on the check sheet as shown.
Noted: 5:52
